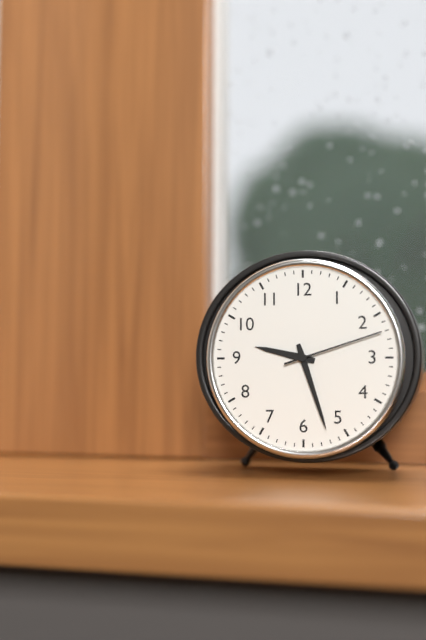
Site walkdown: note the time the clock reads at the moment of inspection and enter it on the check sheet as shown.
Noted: 9:27:12
